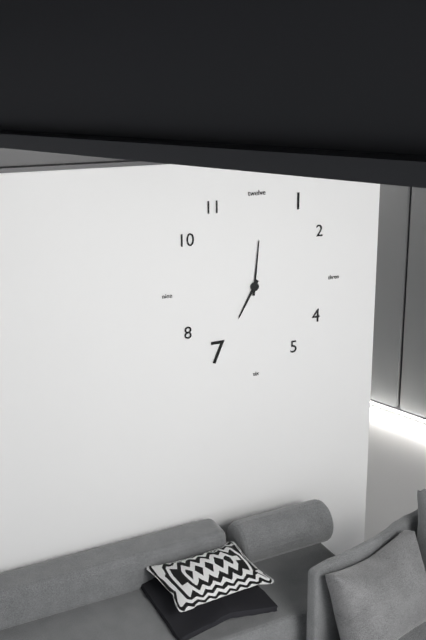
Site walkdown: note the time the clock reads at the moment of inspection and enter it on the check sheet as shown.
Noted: 7:01
